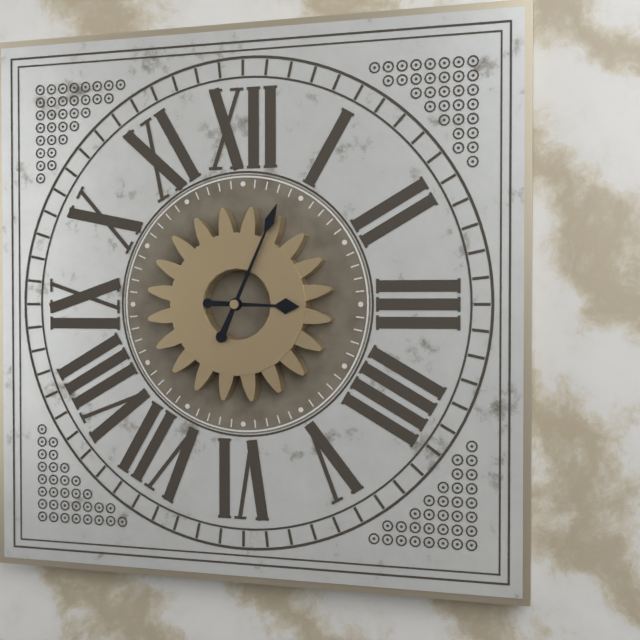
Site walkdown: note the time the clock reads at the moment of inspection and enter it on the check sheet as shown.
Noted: 3:04
